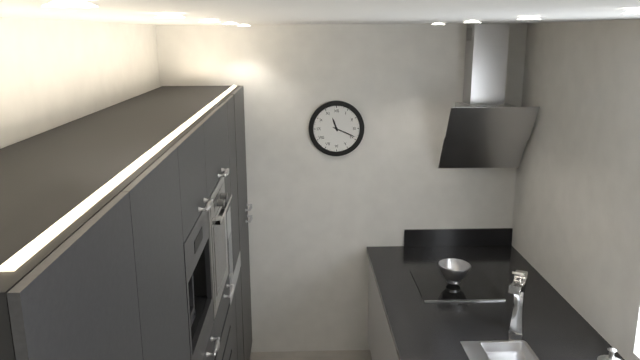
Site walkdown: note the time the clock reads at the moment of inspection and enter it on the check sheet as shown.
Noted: 11:19
